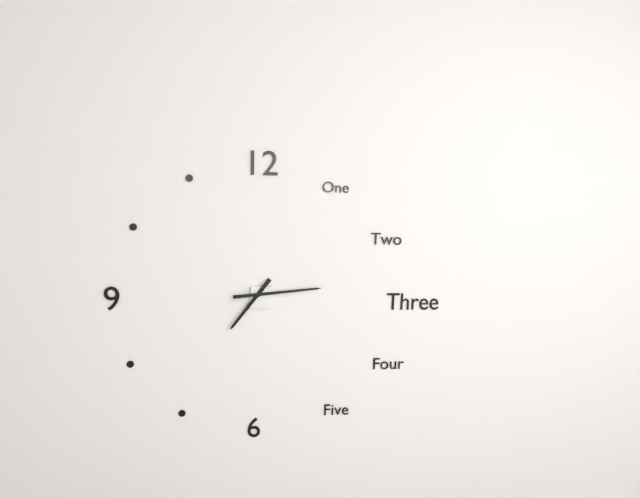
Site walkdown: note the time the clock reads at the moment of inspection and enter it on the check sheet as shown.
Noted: 7:14
